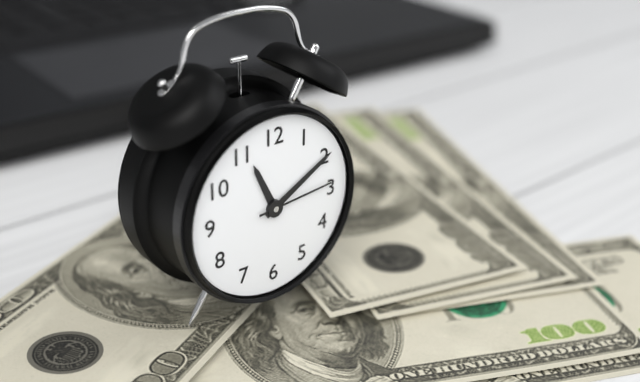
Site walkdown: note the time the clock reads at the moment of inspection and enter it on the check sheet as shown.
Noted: 11:10:14
